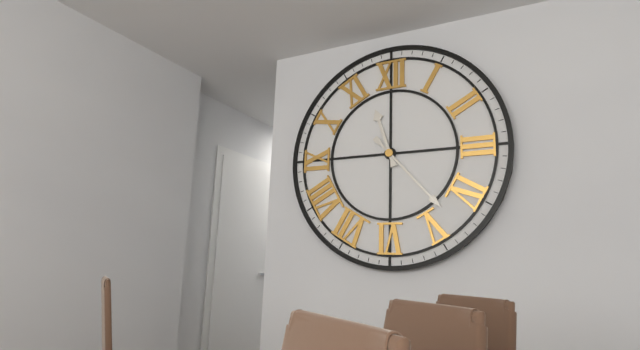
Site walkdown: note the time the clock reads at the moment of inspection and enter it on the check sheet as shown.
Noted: 11:23
